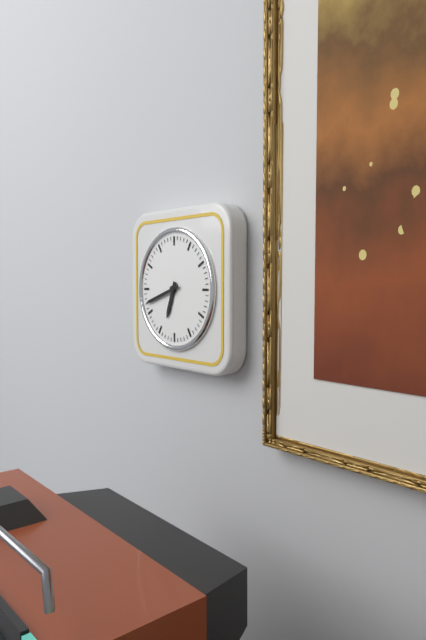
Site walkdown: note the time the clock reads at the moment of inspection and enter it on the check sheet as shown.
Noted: 6:42
